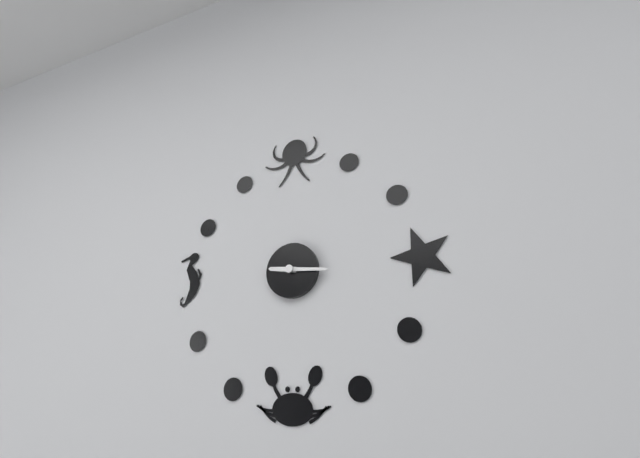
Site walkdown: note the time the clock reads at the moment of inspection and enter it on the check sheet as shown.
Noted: 9:16
